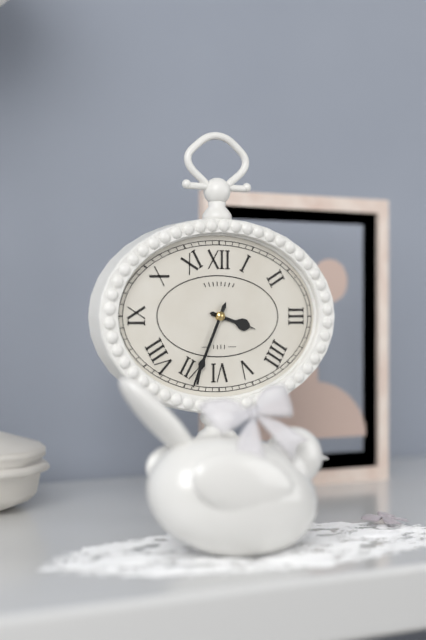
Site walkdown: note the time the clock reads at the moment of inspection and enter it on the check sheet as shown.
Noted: 3:34
